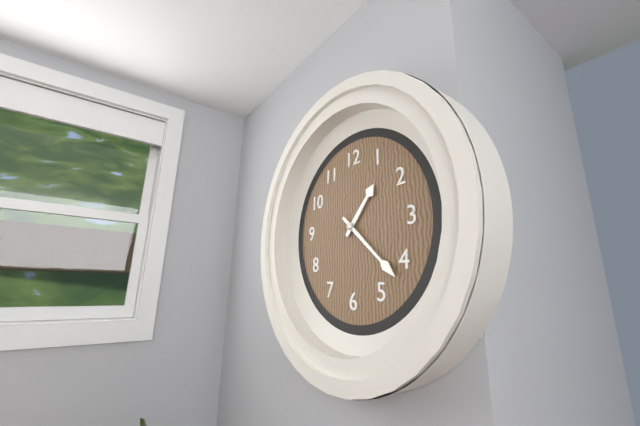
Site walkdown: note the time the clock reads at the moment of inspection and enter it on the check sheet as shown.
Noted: 1:22
